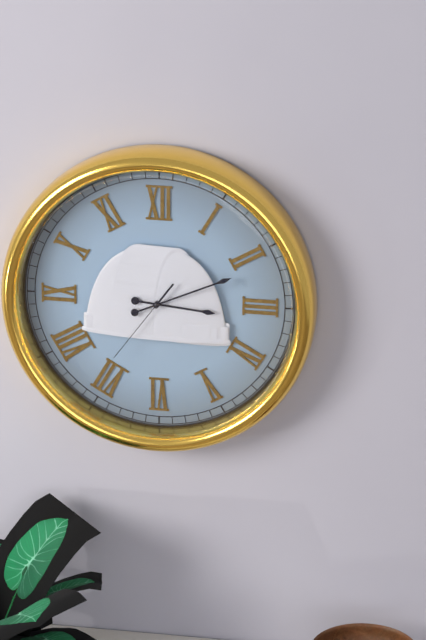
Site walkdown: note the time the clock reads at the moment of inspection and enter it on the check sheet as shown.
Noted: 3:11:36
